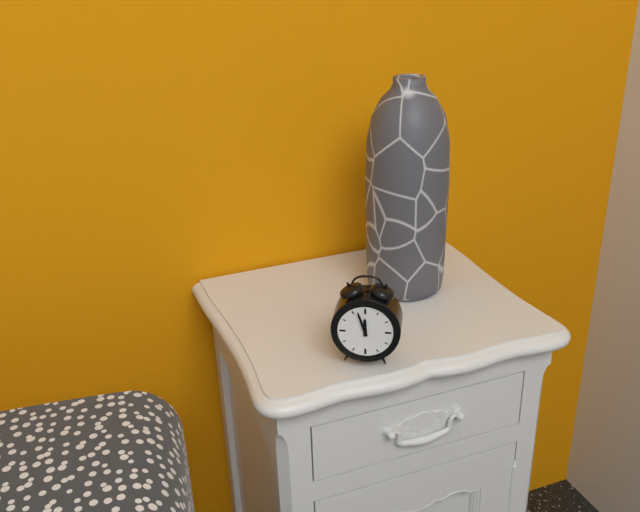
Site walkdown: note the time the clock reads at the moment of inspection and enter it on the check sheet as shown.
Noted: 11:57
